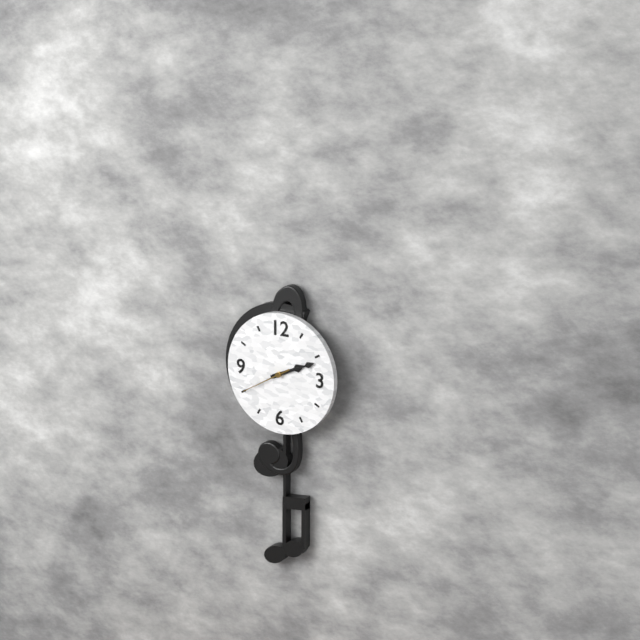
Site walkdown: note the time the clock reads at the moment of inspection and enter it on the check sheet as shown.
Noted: 2:11
